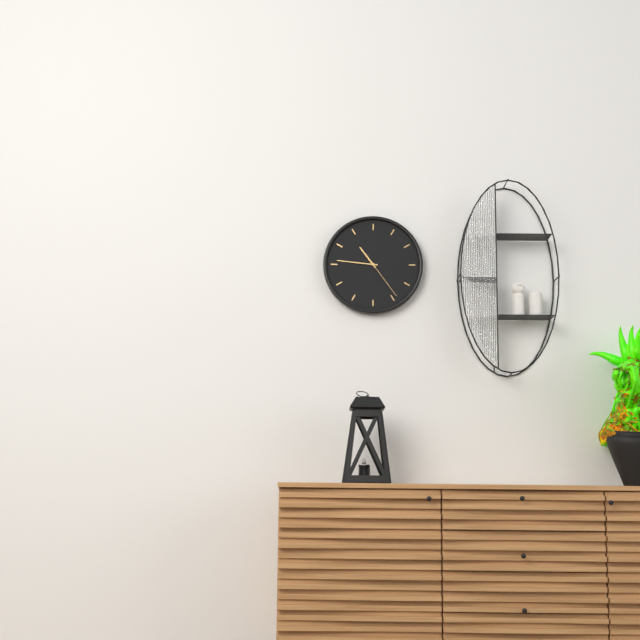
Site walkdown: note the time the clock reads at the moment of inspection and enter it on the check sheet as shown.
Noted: 10:46
